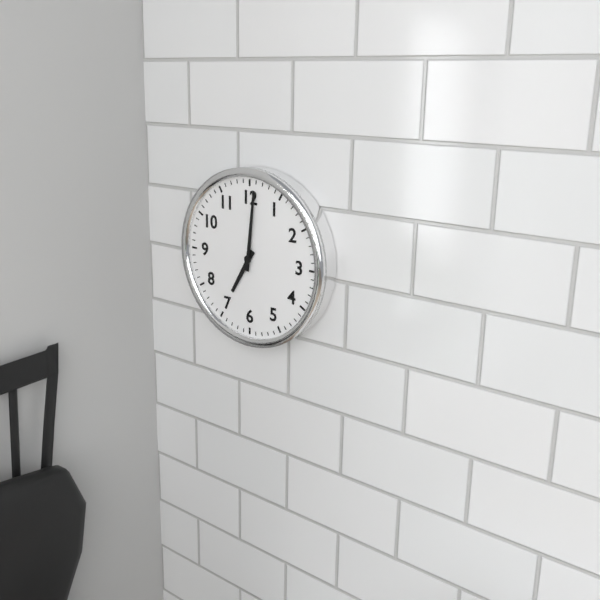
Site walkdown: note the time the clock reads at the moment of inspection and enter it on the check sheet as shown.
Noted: 7:01
